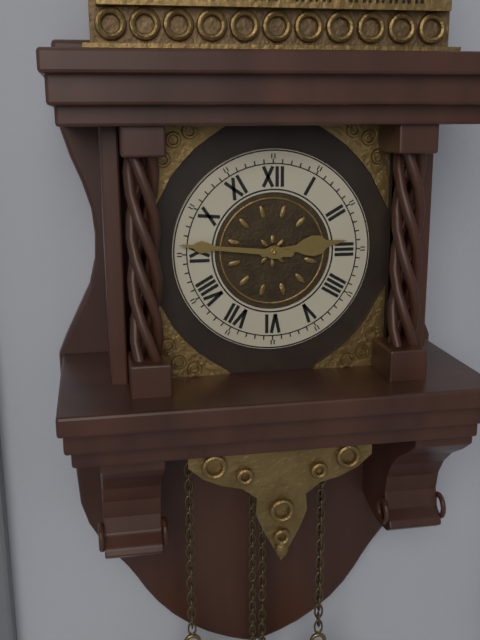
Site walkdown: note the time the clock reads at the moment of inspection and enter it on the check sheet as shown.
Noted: 2:46
